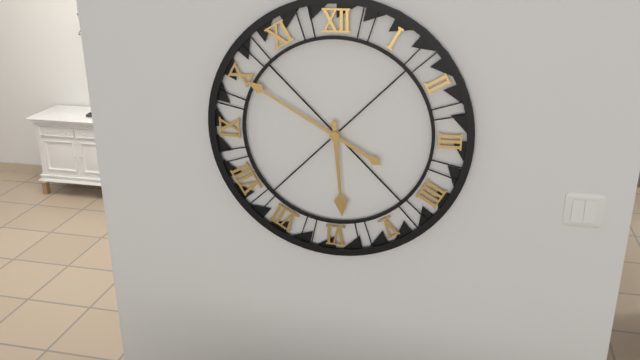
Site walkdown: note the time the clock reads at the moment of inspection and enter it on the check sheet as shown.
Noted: 5:50
